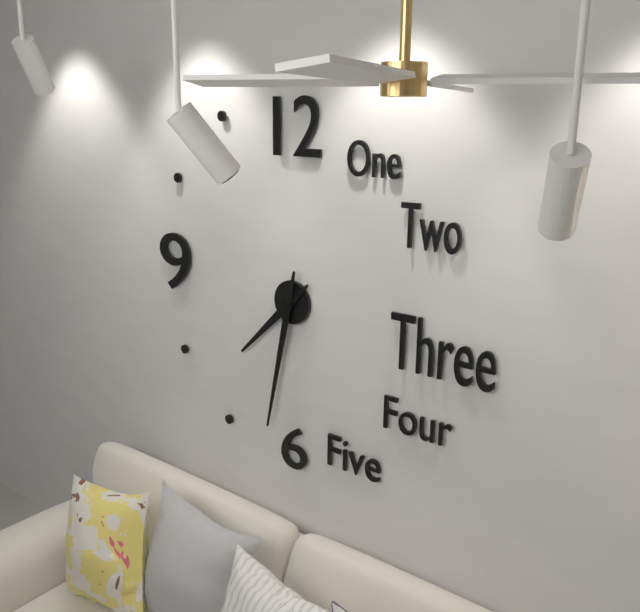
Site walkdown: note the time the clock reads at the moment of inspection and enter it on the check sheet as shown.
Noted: 7:32
